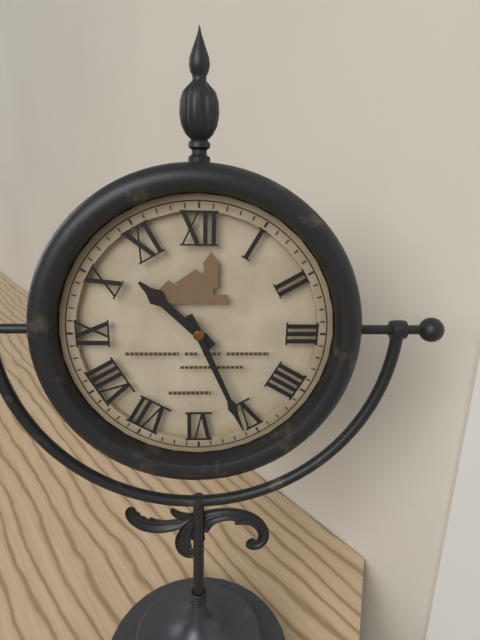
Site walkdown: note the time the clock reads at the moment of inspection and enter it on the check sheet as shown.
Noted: 10:26
